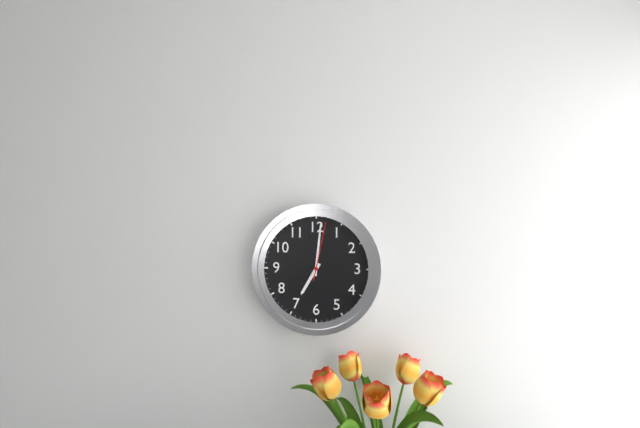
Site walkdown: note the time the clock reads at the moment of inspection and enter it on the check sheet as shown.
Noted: 7:01:02
